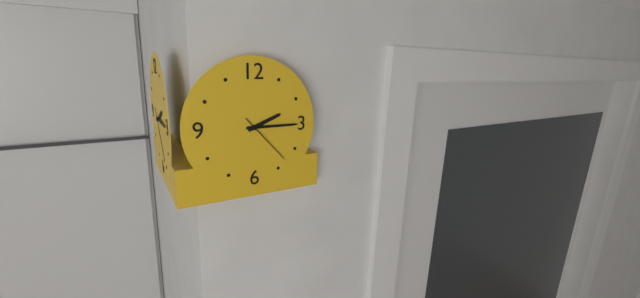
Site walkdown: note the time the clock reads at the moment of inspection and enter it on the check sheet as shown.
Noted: 2:15:23
